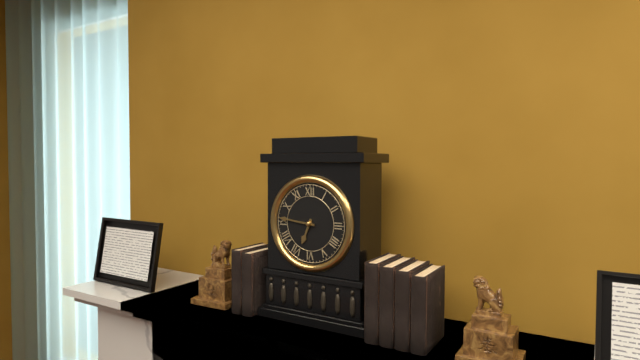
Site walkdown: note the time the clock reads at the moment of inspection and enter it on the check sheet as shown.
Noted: 6:46
